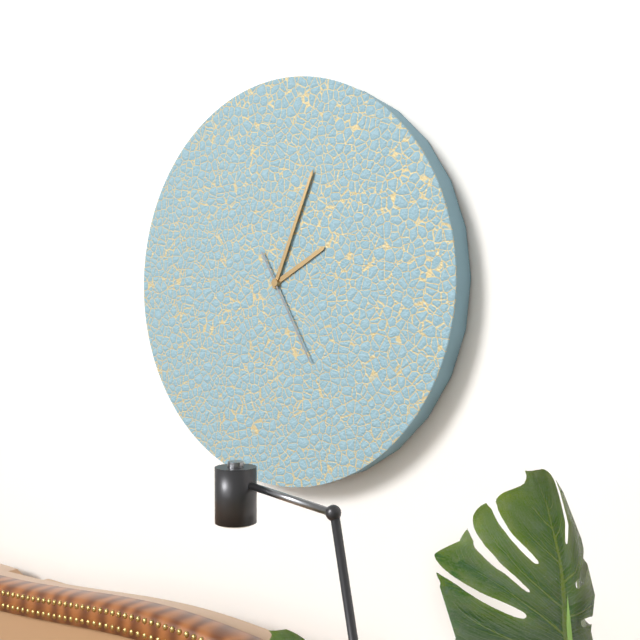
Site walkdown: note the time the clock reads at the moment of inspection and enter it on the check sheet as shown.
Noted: 2:04:25
